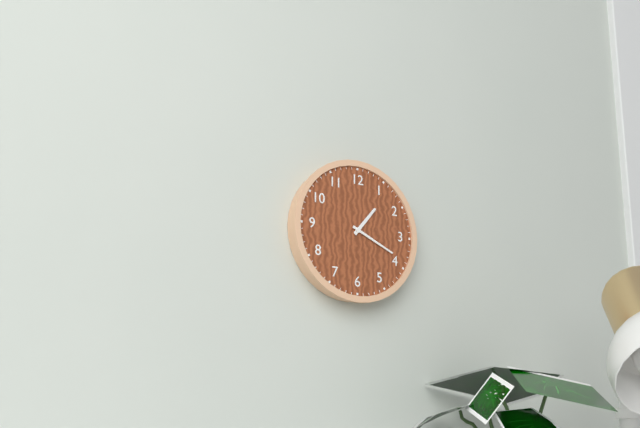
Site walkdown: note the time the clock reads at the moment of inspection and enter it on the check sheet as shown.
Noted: 1:19
